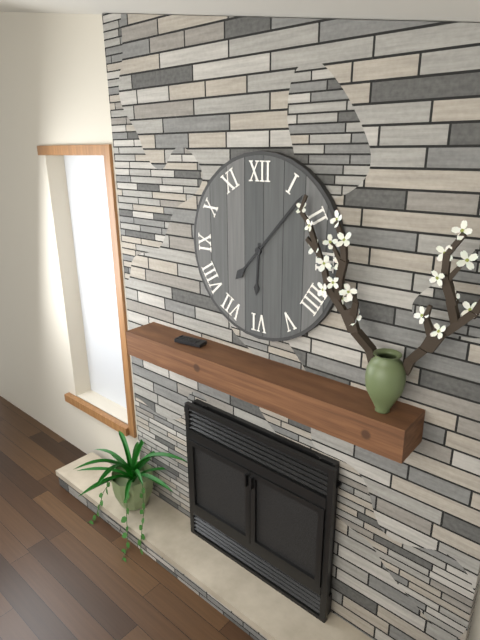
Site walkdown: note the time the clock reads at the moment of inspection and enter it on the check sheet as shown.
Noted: 6:07
